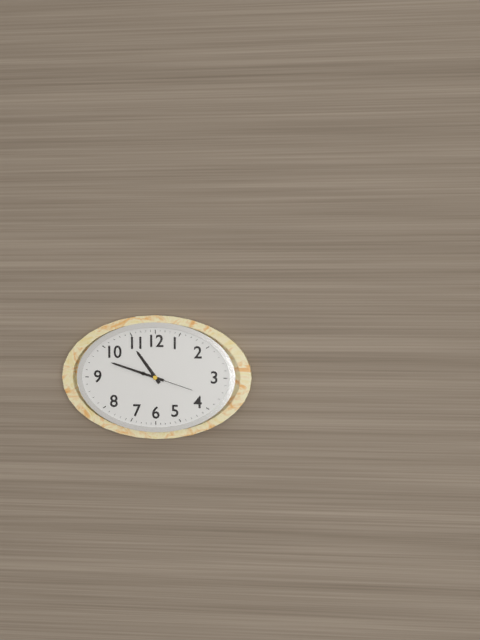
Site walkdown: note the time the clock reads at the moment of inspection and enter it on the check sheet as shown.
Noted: 10:48
